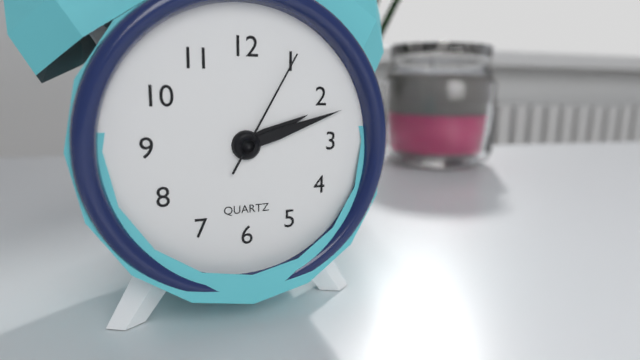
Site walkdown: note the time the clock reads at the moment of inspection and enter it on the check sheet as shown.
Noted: 2:12:05
